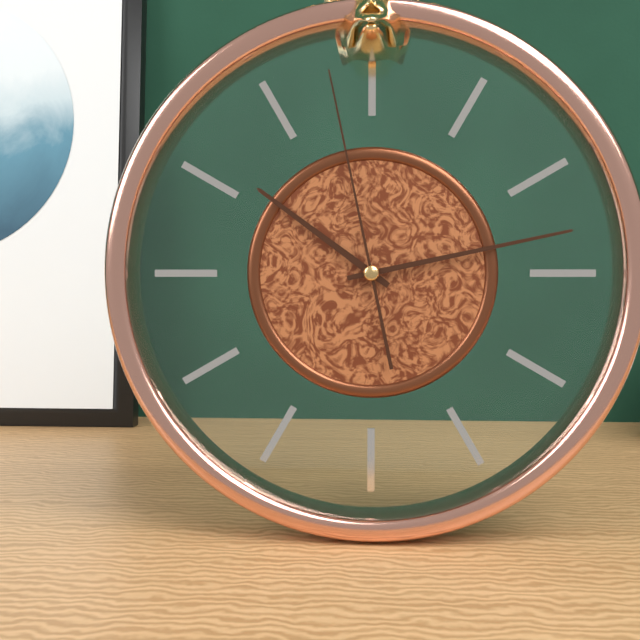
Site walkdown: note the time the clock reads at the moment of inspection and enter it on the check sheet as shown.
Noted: 10:13:58
